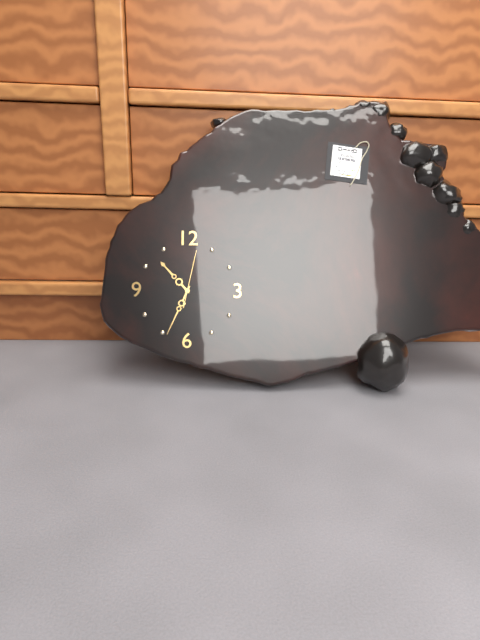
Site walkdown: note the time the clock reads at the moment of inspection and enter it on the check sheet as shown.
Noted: 10:34:02
